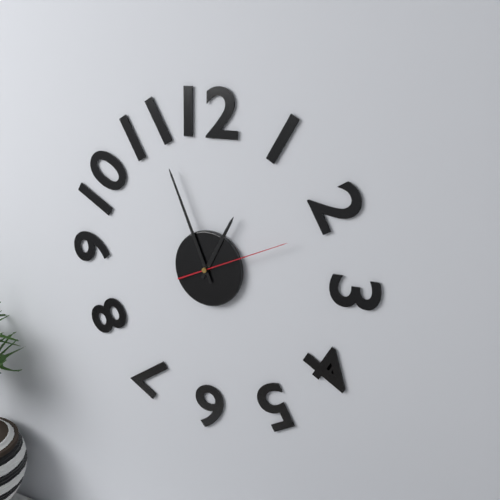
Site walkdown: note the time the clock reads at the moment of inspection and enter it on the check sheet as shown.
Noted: 12:56:11
